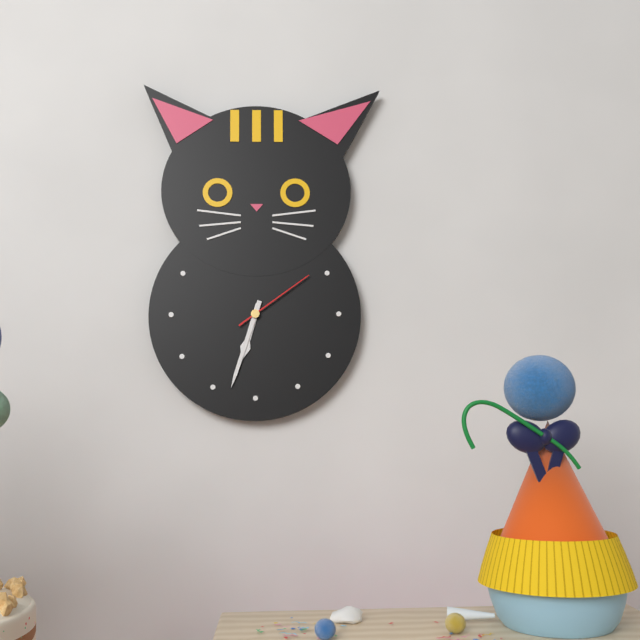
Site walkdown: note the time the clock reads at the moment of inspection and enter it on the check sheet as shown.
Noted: 6:33:09
